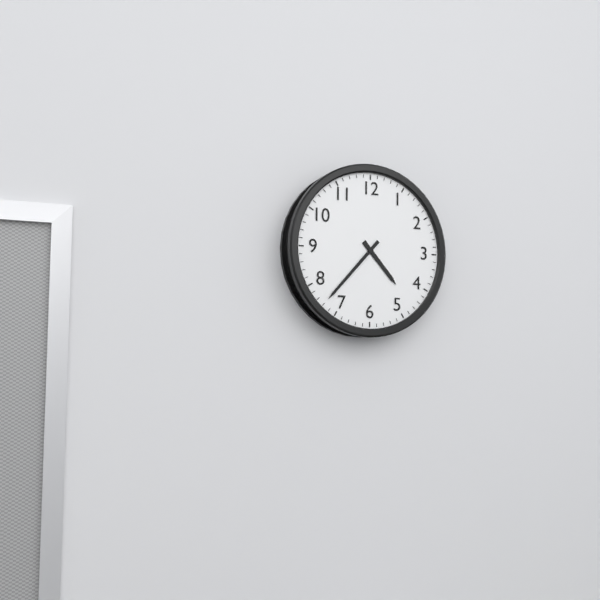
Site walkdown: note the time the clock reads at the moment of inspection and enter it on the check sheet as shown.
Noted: 4:37
